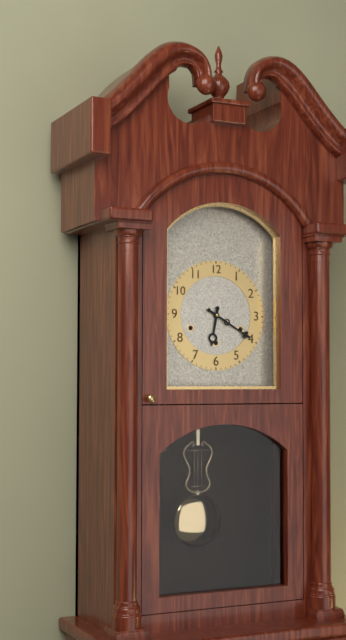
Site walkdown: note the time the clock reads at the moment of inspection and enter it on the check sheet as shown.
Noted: 6:20
